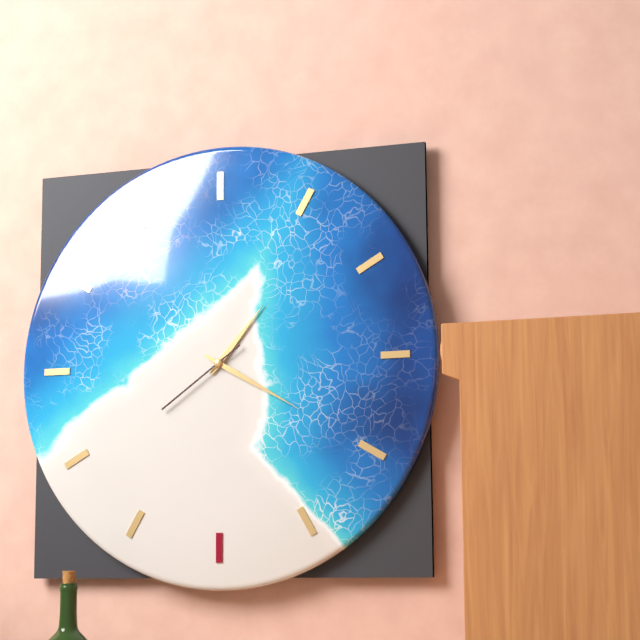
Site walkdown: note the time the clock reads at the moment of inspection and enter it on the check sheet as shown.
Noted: 1:20:39
